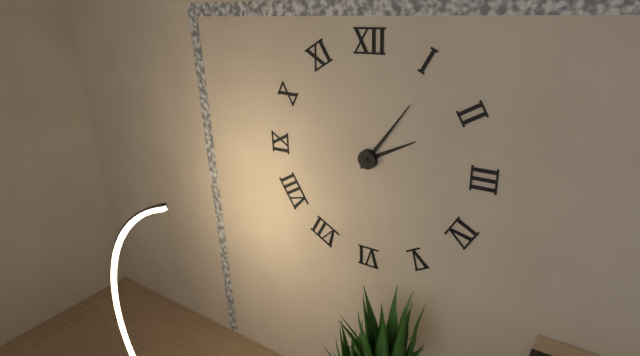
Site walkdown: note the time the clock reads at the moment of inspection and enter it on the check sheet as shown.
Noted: 2:06
